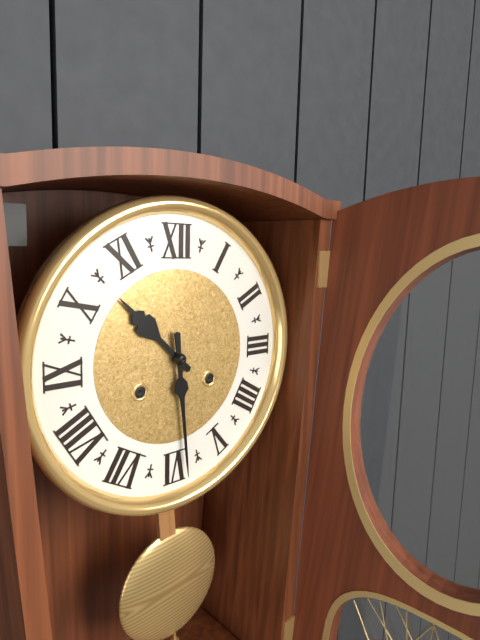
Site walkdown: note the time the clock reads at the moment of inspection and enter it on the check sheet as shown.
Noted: 10:29
